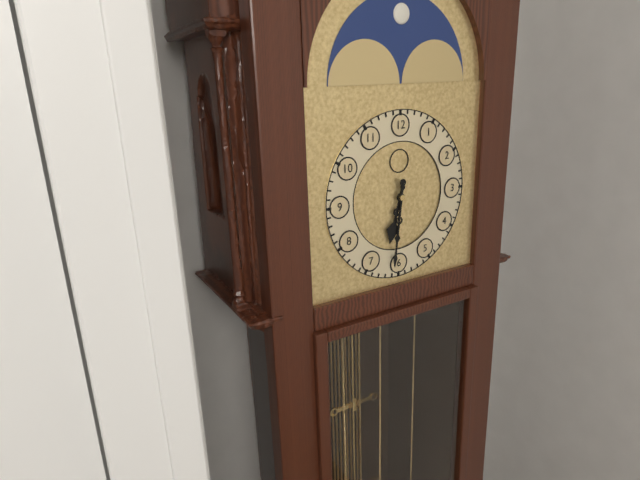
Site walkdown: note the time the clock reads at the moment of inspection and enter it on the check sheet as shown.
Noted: 6:31
